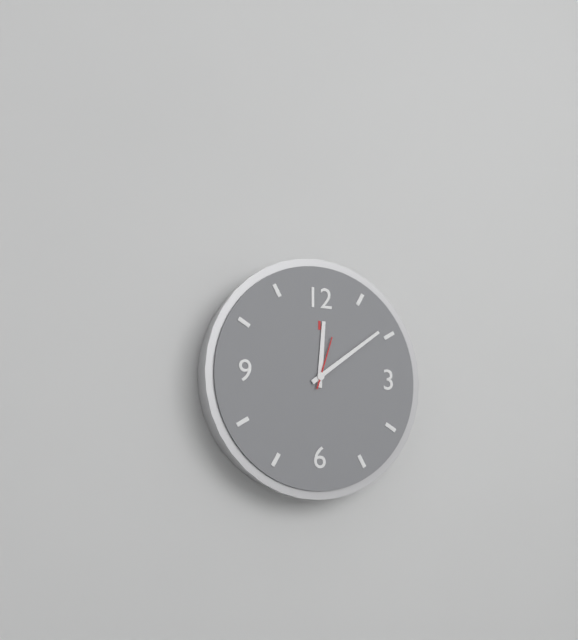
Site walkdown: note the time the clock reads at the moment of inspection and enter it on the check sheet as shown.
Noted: 12:09:03
